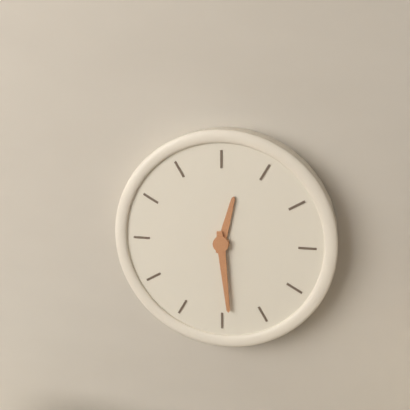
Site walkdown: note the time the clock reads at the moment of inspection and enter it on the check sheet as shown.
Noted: 12:29
